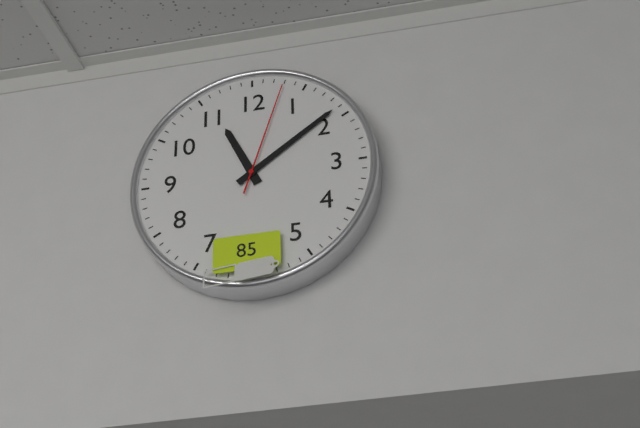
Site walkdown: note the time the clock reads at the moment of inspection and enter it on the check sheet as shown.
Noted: 11:09:03
